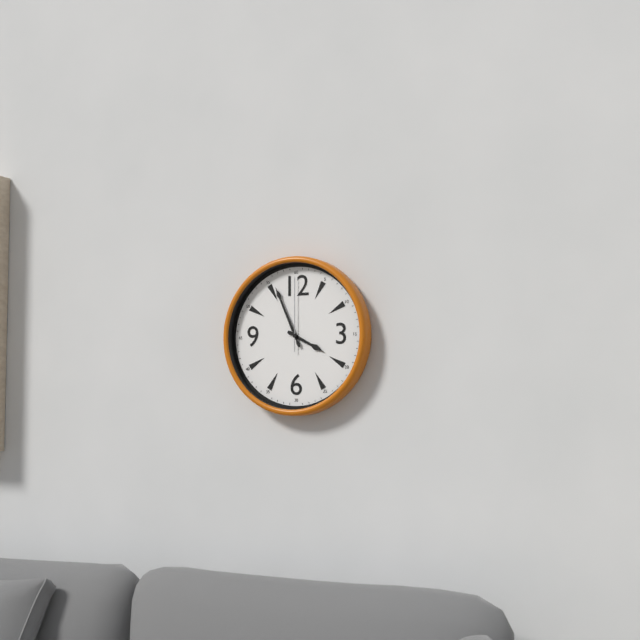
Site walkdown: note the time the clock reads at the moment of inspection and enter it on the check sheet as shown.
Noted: 3:56:00
